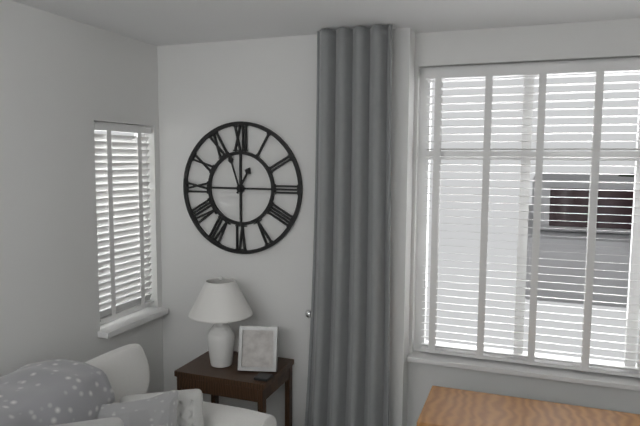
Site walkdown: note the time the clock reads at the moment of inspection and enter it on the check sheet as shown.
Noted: 12:57
